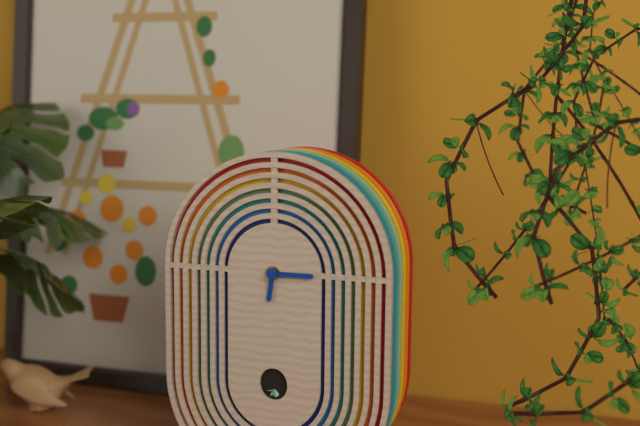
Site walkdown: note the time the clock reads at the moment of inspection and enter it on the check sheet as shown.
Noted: 6:15
